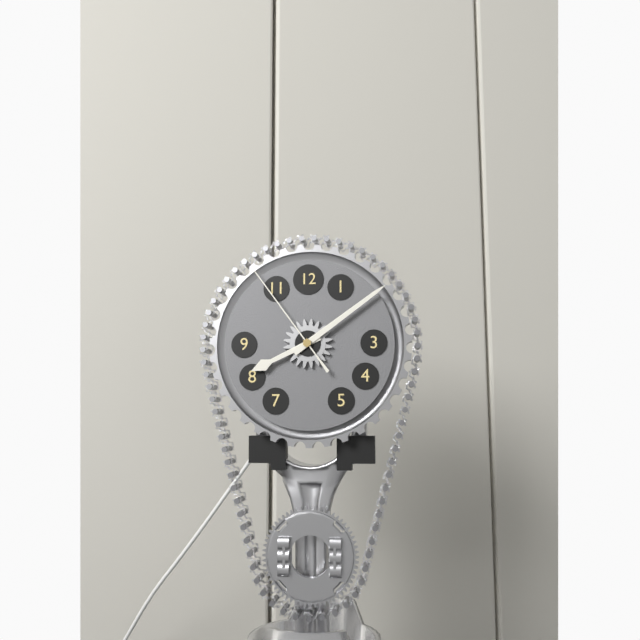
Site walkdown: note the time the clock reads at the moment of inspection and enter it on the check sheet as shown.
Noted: 8:09:54
